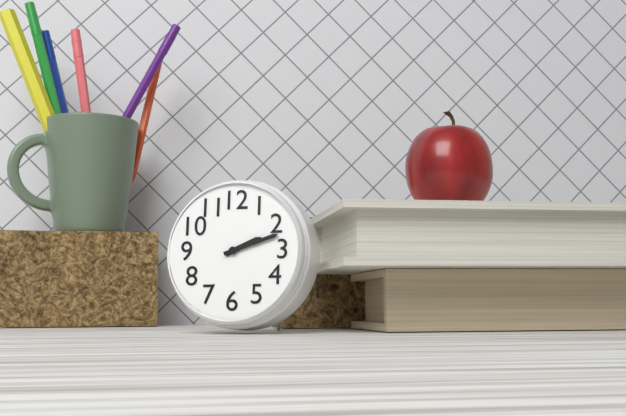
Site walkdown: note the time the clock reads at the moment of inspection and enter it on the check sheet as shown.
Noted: 2:12
